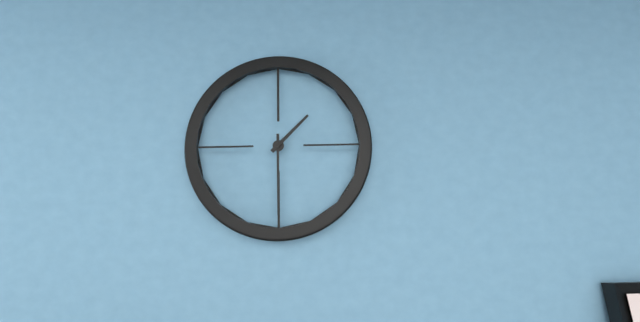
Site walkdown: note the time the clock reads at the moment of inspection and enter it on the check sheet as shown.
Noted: 1:30
